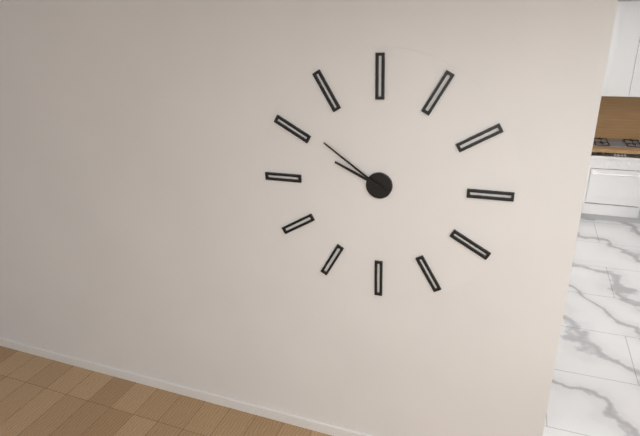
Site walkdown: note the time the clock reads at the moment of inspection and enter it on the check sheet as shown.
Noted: 9:51
